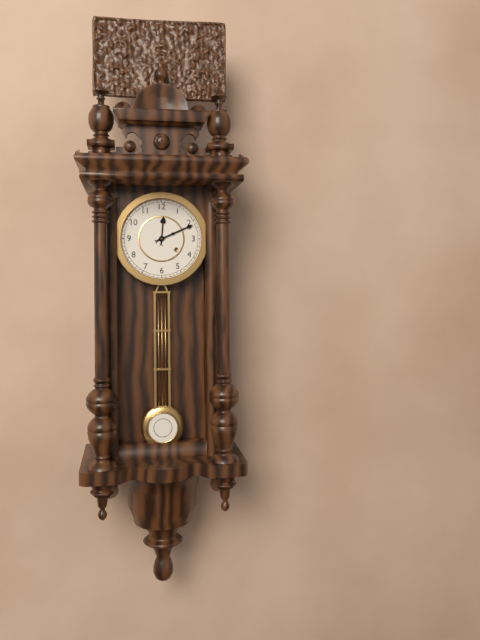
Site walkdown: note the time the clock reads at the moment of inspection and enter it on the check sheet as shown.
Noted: 12:11
